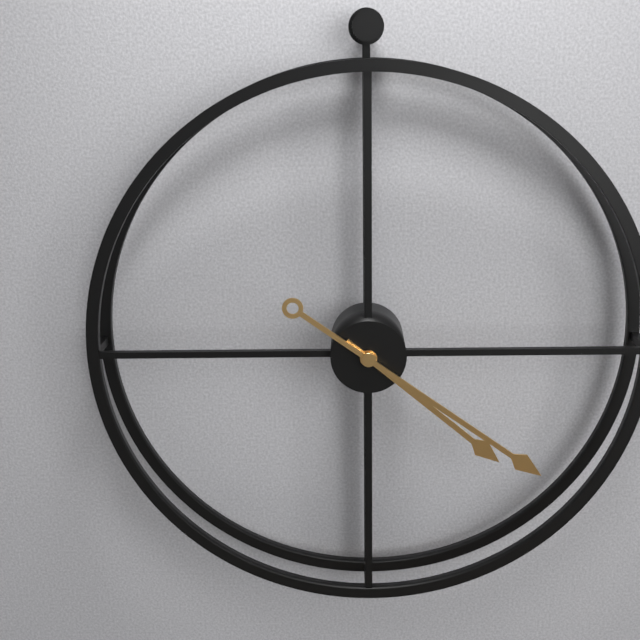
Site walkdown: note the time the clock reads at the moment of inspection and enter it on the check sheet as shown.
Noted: 4:21
